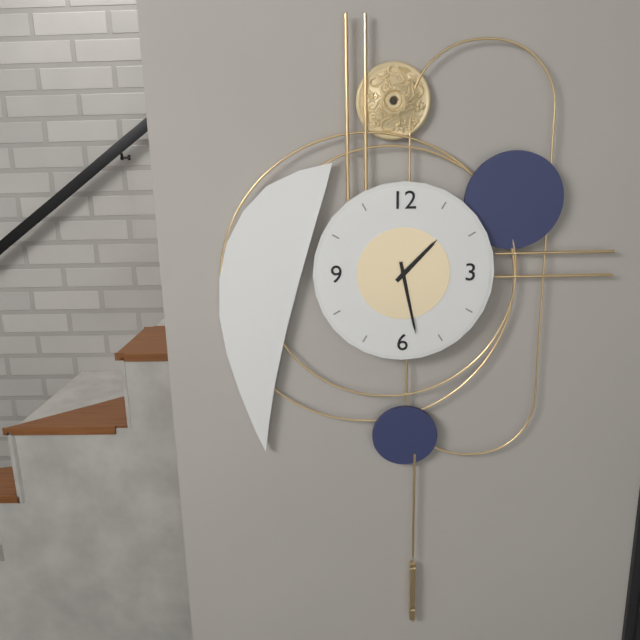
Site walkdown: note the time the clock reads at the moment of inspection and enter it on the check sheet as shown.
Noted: 1:28
